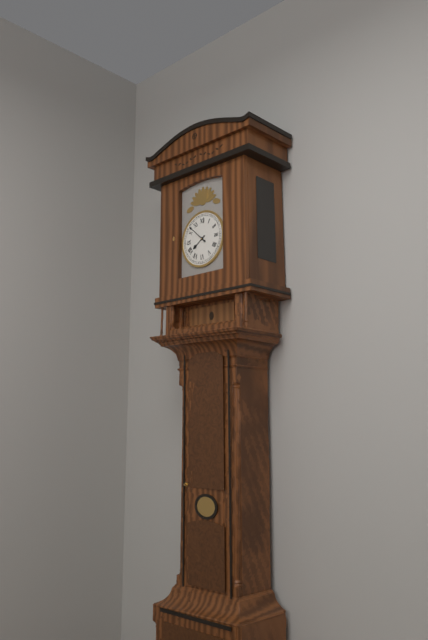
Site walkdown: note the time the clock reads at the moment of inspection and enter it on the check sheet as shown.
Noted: 7:52
